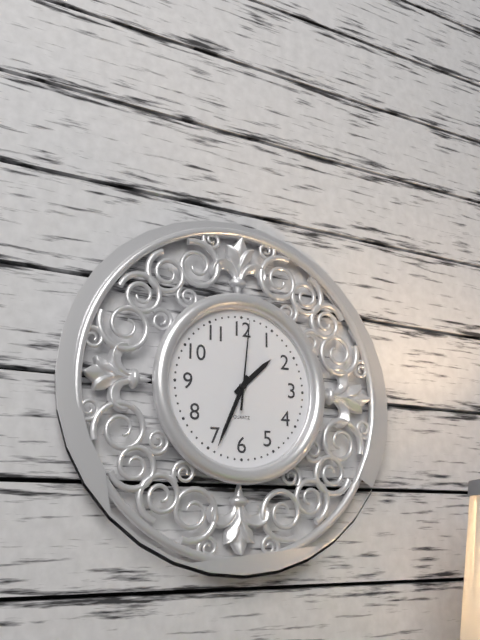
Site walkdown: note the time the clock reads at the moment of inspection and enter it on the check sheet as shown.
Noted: 1:34:01
